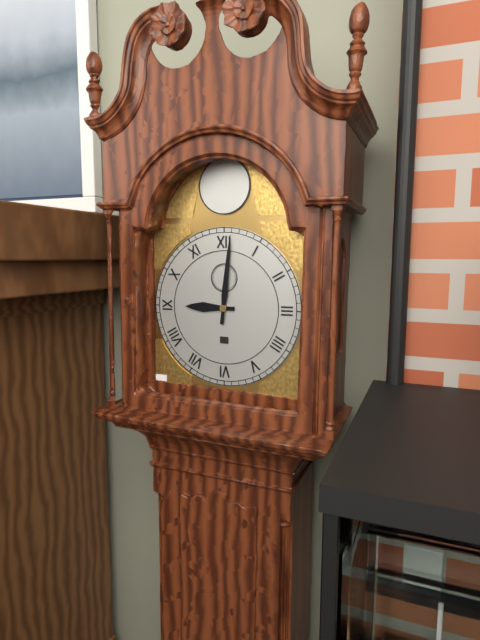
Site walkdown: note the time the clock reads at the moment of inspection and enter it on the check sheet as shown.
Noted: 9:01
